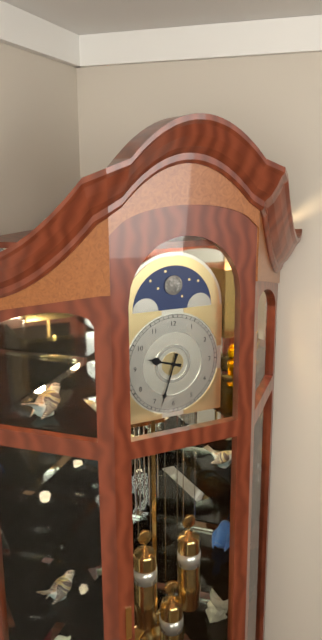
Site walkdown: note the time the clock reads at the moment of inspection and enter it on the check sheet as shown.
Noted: 9:33
